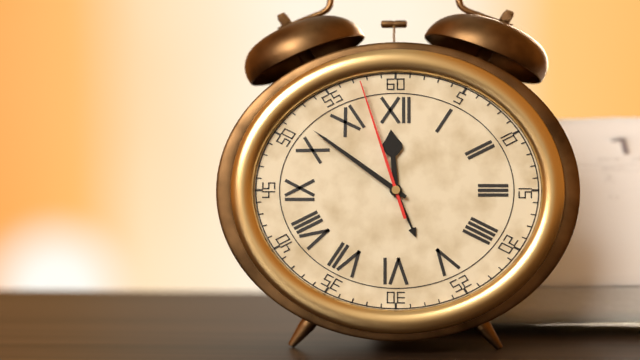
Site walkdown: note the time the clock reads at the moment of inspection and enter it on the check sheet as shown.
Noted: 11:51:57
